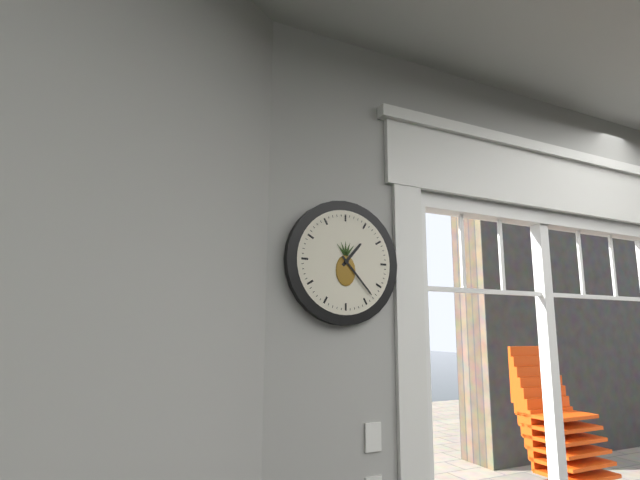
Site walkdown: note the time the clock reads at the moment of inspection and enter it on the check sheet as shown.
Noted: 1:23
